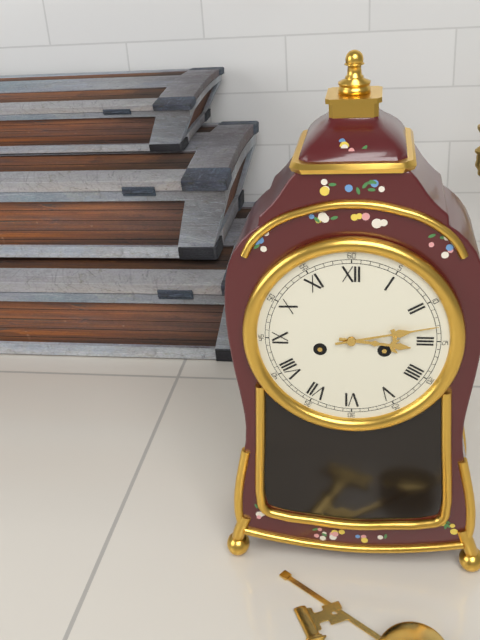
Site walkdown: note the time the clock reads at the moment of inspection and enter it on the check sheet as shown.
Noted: 3:13
